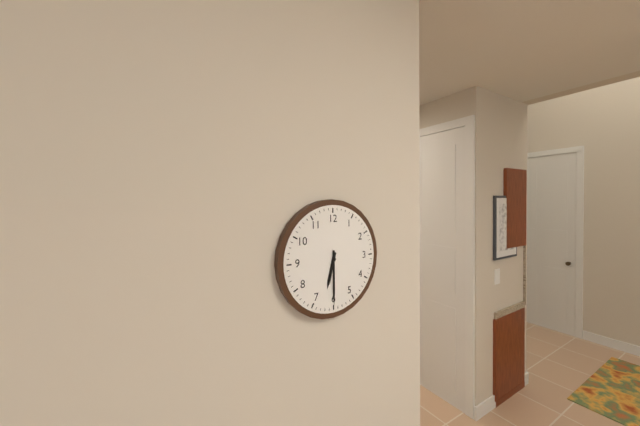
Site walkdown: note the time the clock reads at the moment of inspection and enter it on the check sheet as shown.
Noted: 6:30
